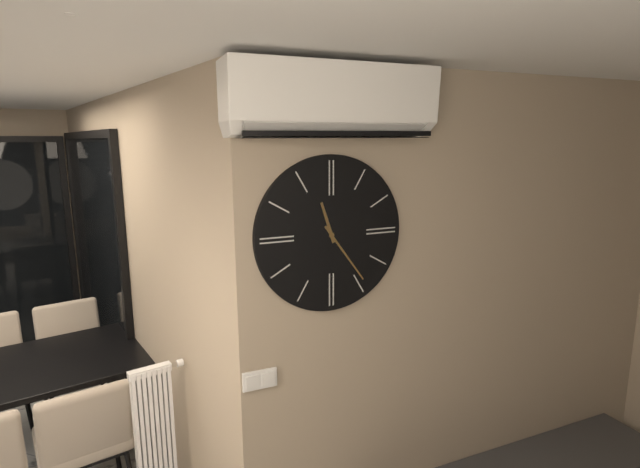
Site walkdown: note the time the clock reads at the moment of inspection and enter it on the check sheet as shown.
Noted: 11:24
